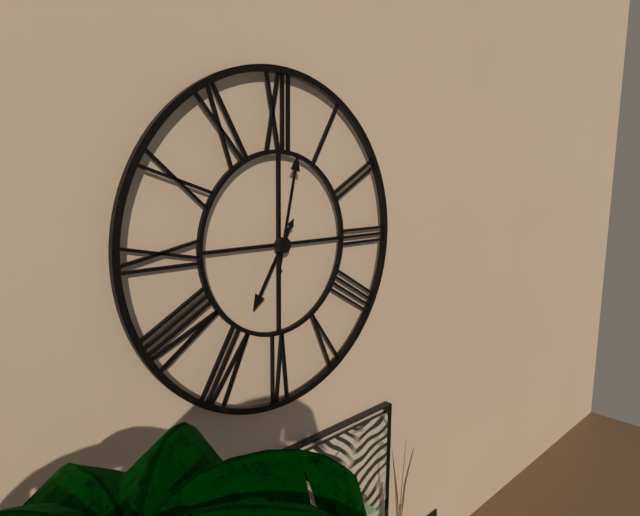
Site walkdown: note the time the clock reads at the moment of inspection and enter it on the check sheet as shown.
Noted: 7:02
